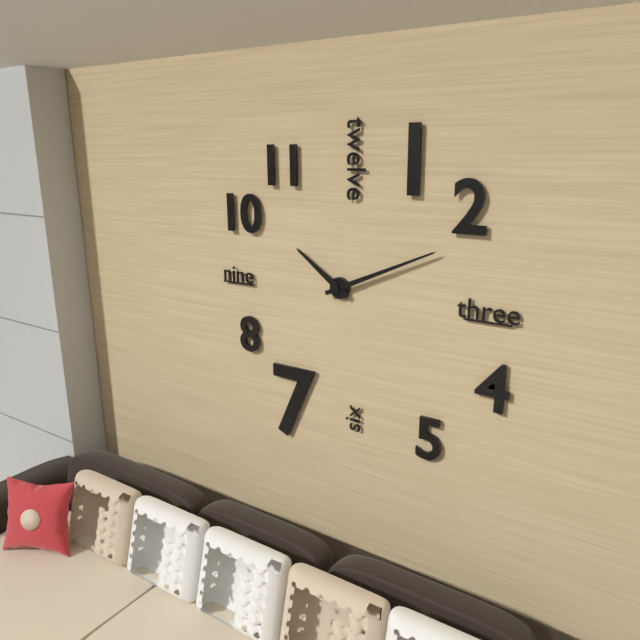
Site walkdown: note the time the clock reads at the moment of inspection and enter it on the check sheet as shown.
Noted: 10:11
